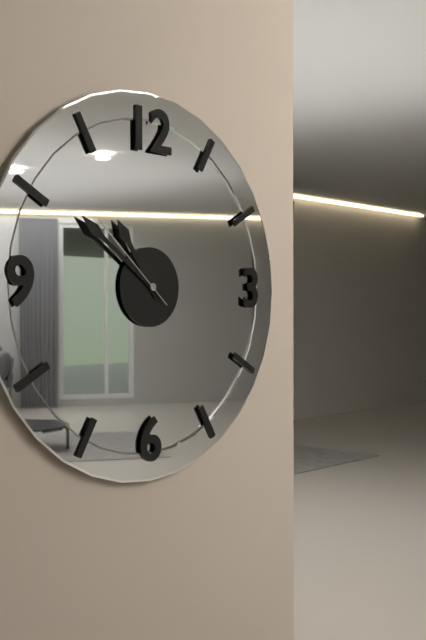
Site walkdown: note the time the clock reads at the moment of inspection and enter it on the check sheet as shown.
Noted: 10:51:52
